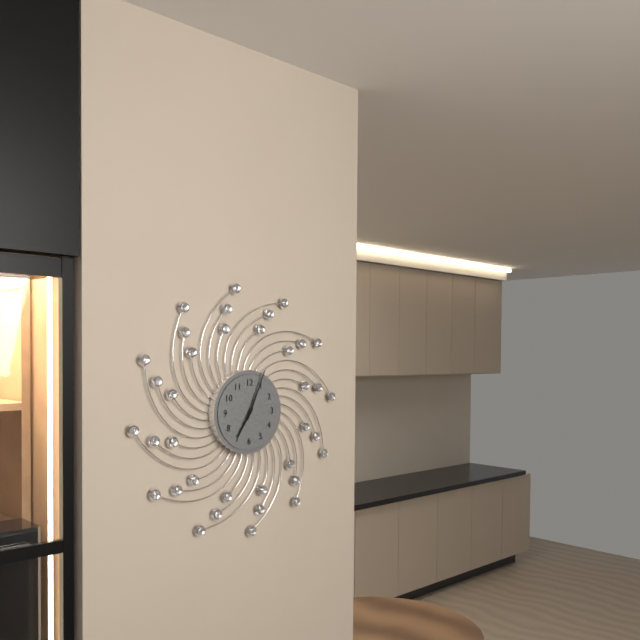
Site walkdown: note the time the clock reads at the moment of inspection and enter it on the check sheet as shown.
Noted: 7:04
